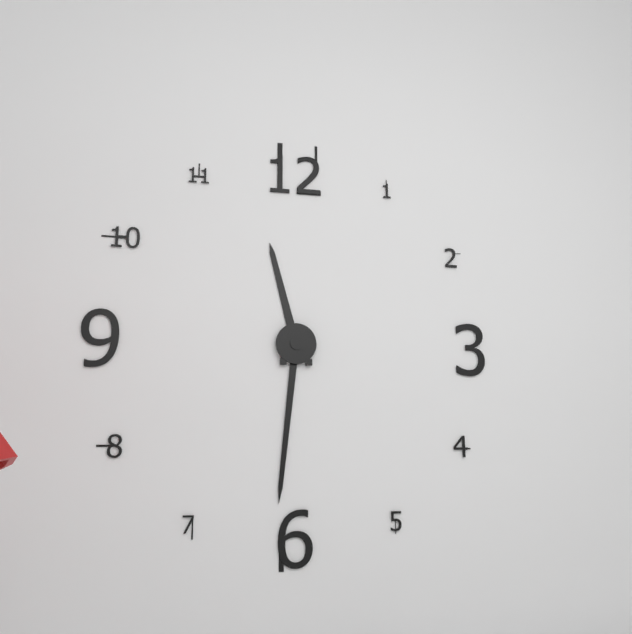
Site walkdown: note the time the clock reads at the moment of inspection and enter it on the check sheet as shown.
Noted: 11:31
